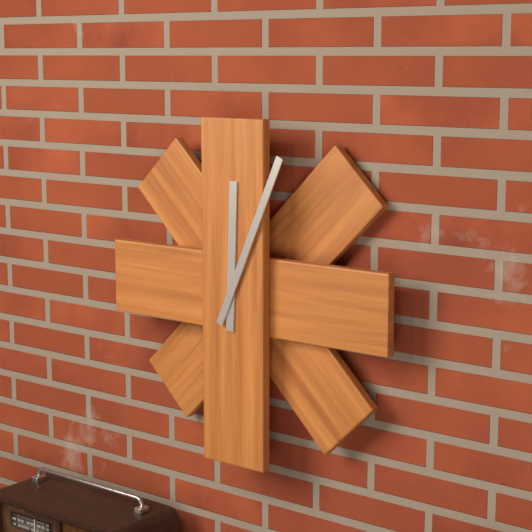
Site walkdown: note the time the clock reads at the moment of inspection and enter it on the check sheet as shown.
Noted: 12:04
